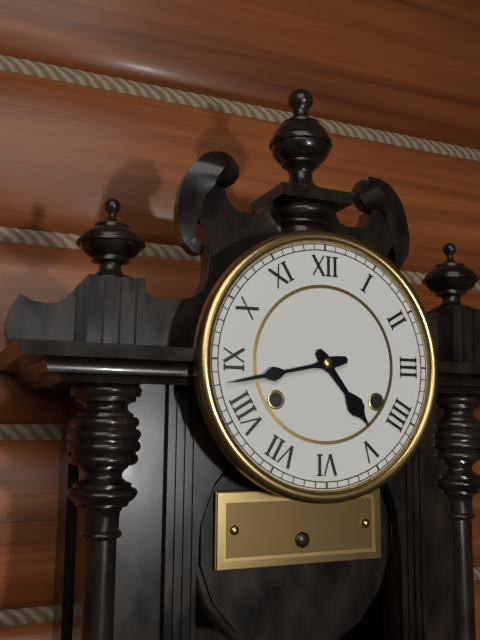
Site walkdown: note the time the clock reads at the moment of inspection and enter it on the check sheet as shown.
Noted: 4:43
